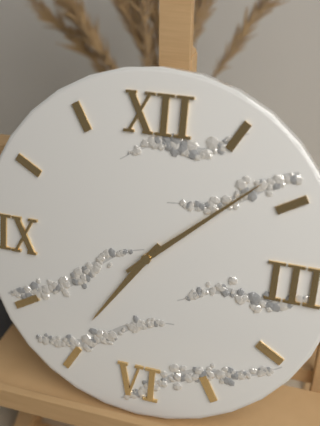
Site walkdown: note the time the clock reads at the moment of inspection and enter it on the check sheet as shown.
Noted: 7:08
